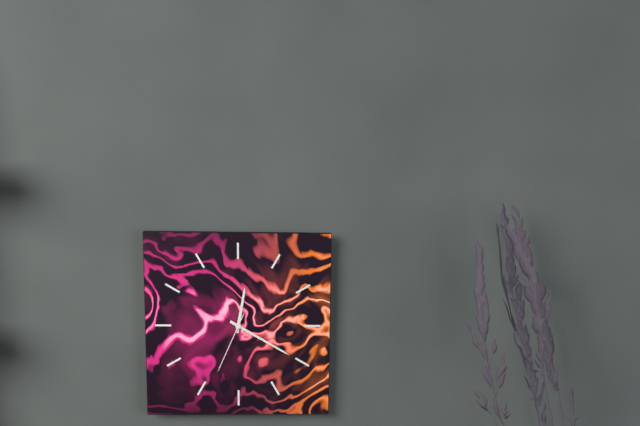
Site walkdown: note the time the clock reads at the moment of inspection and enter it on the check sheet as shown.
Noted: 12:20:34
